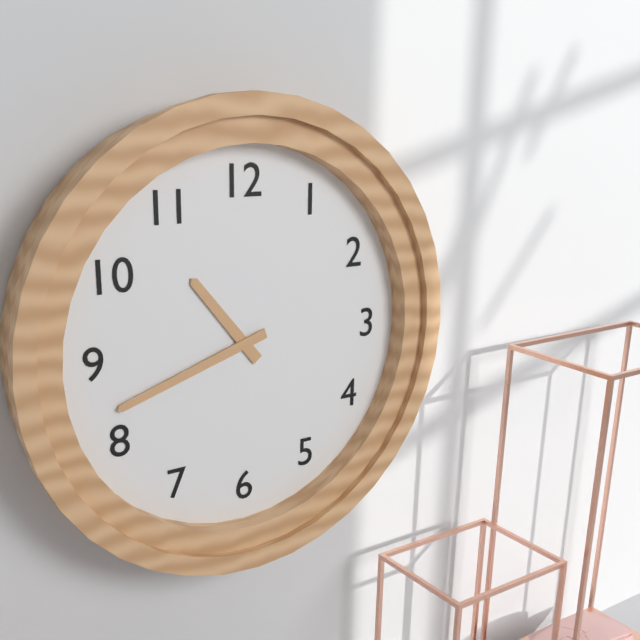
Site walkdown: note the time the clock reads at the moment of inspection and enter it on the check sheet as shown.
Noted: 10:42
